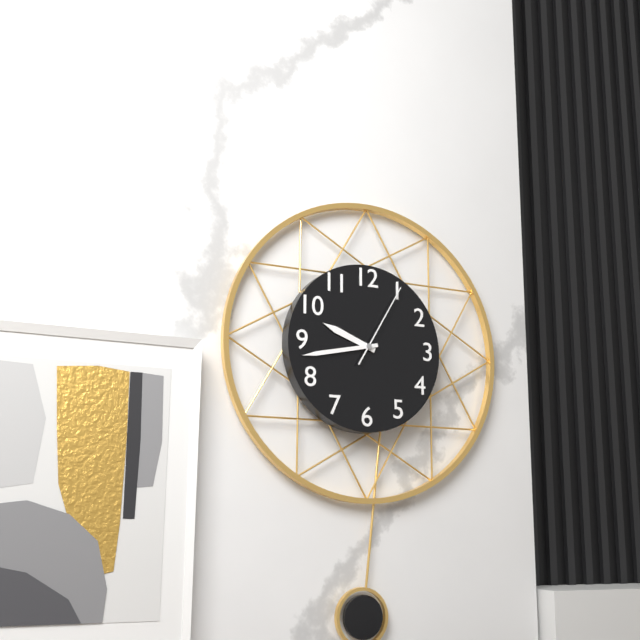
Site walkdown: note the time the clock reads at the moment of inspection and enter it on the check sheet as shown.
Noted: 9:43:05
